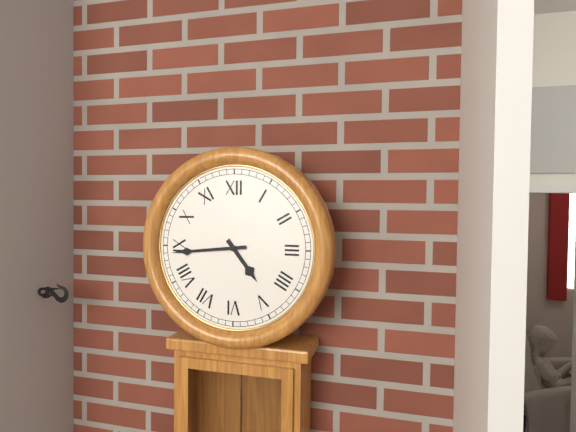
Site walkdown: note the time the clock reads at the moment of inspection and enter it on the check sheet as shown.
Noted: 4:44
